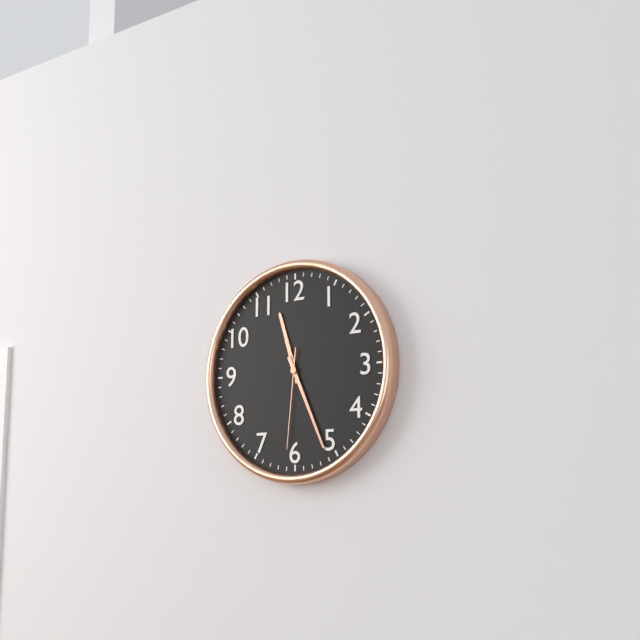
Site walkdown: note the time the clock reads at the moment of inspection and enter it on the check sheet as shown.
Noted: 11:26:31
